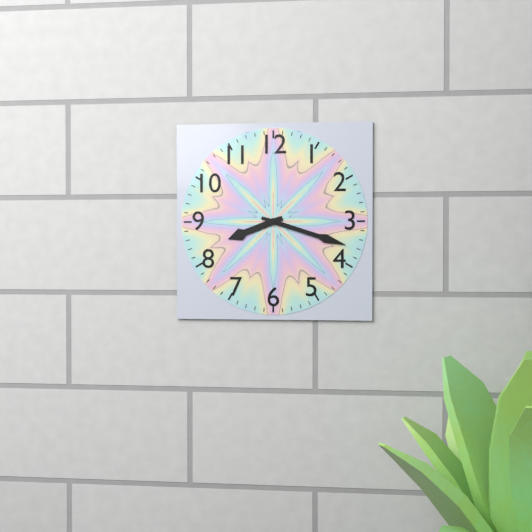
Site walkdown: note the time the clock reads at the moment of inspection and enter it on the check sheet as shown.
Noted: 8:18
